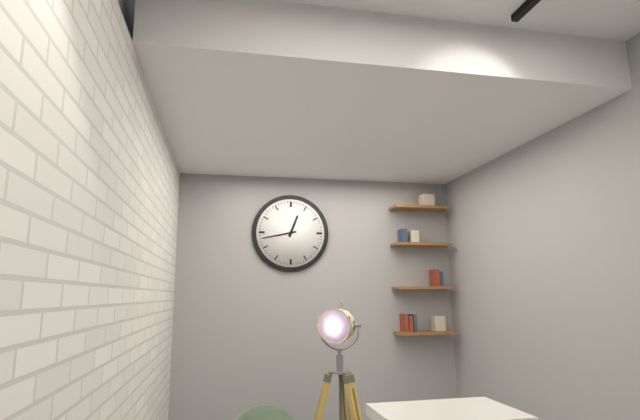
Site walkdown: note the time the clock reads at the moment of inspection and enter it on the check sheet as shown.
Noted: 12:43
